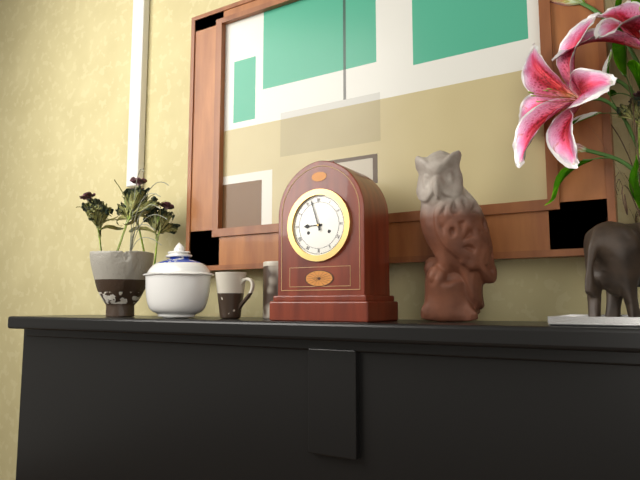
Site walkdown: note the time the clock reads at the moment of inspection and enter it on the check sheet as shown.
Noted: 8:57
